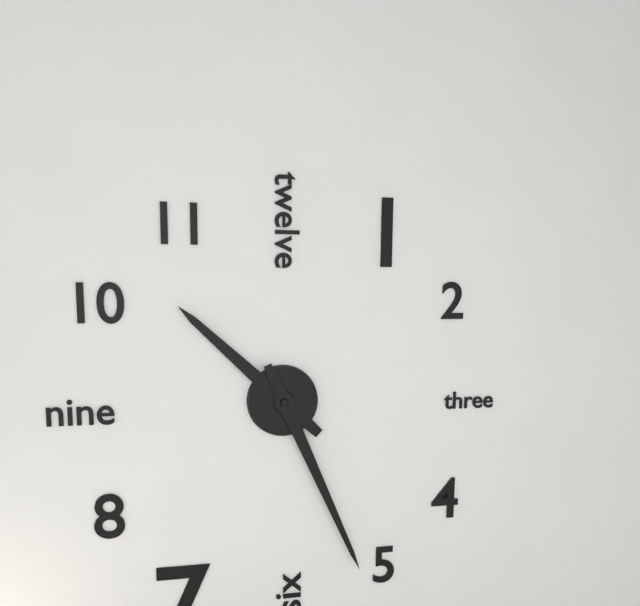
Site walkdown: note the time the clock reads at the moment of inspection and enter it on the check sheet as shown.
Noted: 10:26
